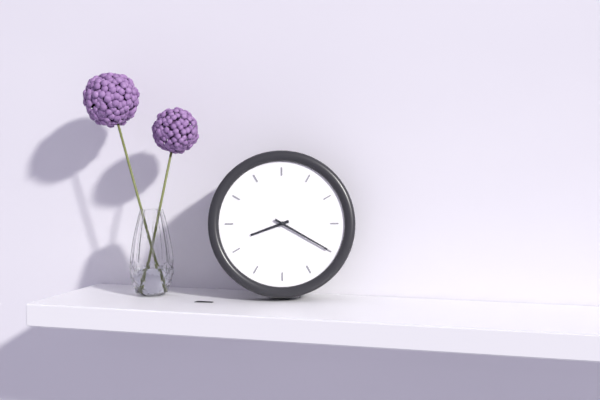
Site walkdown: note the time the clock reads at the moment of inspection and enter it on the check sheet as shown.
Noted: 8:20
